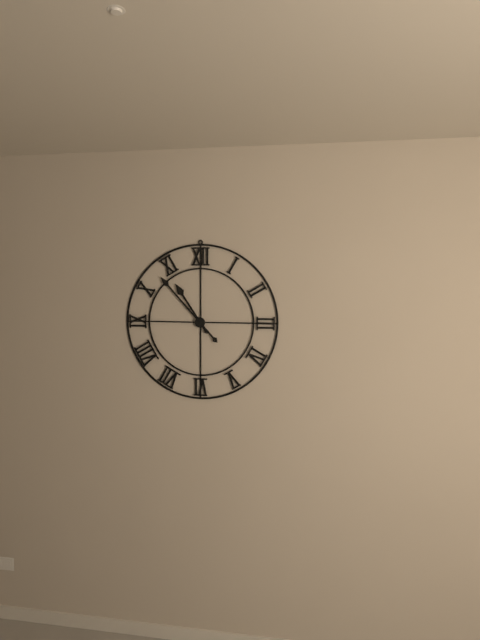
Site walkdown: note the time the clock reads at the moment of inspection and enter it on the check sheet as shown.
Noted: 10:53
